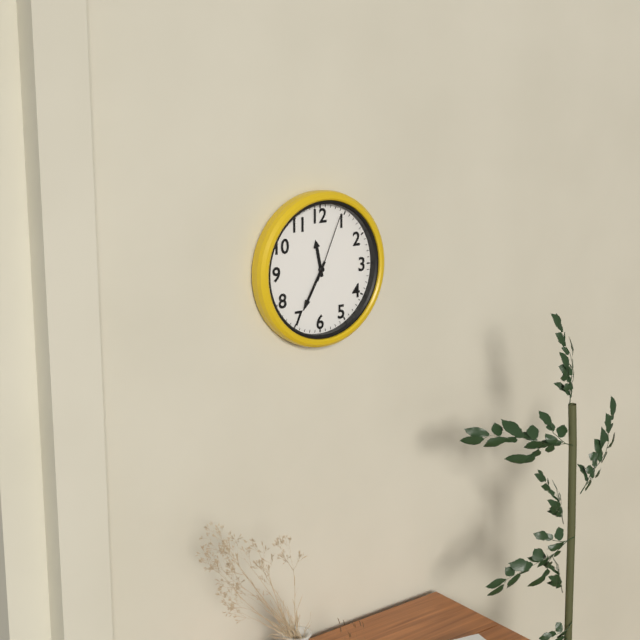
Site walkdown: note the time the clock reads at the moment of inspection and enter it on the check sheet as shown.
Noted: 11:35:04
